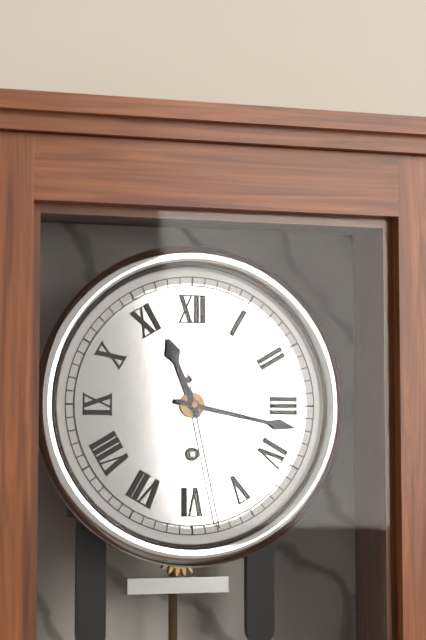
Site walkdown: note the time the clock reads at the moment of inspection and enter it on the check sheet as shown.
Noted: 11:17:28
